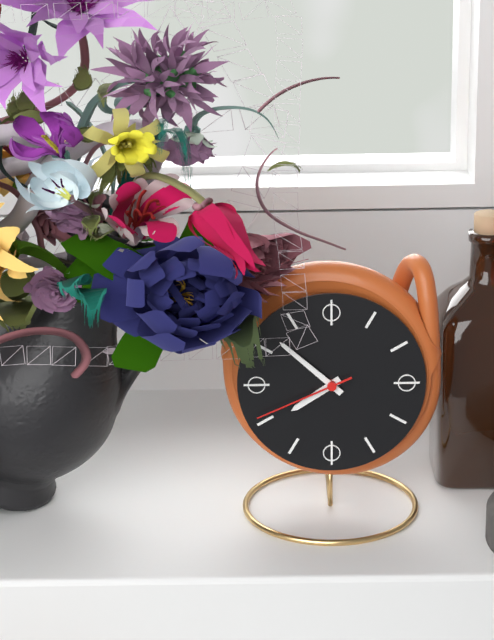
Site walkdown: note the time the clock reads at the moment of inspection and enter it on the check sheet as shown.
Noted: 7:52:41
